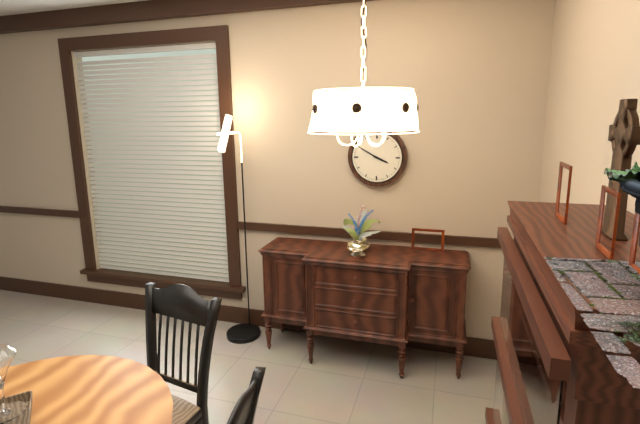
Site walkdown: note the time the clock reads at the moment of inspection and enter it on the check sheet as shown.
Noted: 3:50
